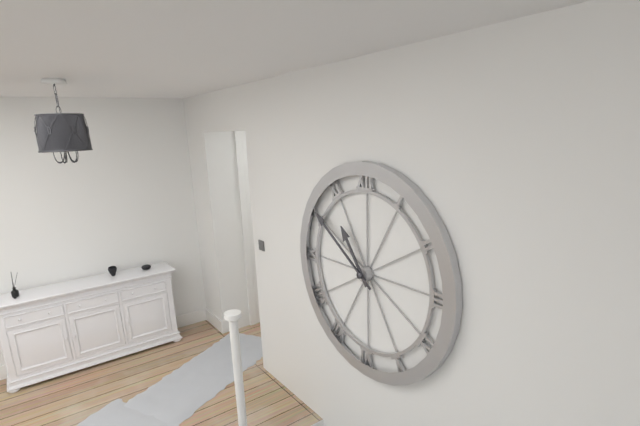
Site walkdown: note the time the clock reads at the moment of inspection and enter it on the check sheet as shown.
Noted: 10:51
